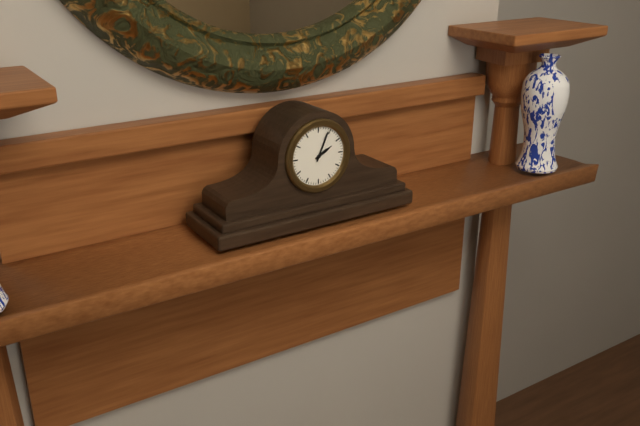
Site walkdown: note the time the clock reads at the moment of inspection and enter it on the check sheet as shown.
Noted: 2:04
